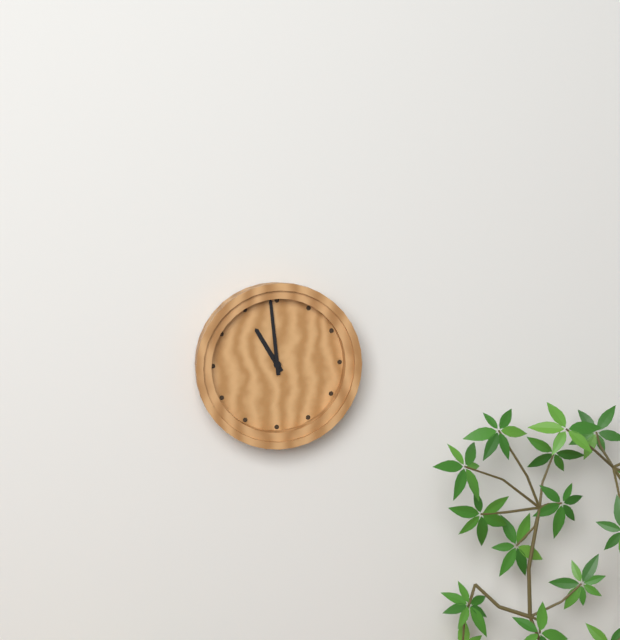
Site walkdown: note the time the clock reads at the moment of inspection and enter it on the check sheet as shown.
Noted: 10:59
